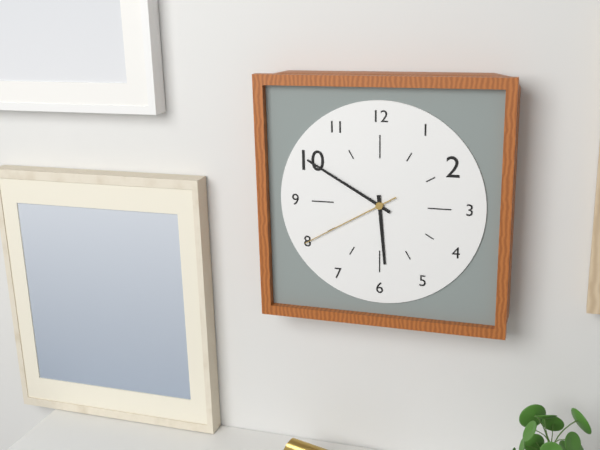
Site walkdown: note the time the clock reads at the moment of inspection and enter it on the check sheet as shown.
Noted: 5:50:40
